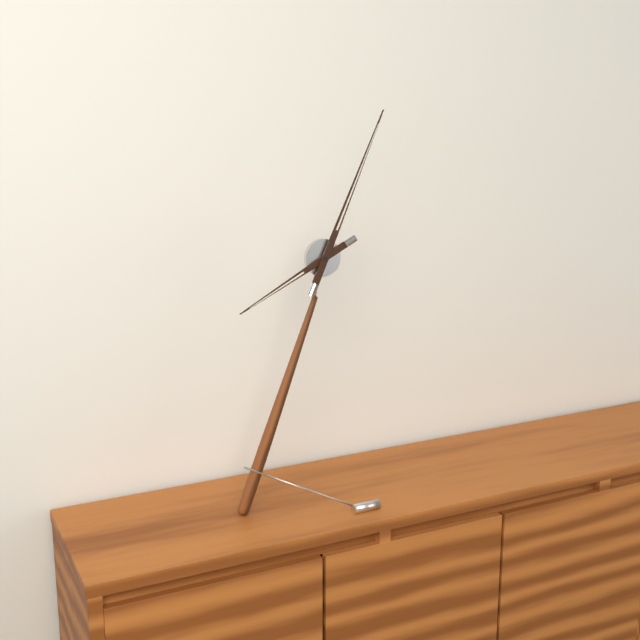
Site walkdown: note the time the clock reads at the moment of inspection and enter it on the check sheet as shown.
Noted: 8:04
